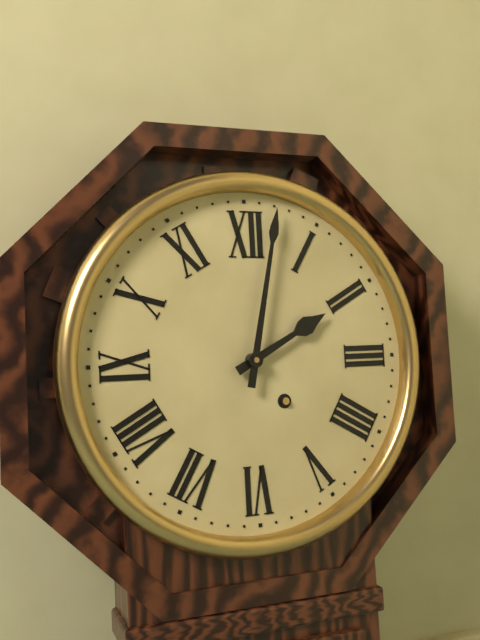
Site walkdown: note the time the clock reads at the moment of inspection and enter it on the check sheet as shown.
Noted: 2:02
